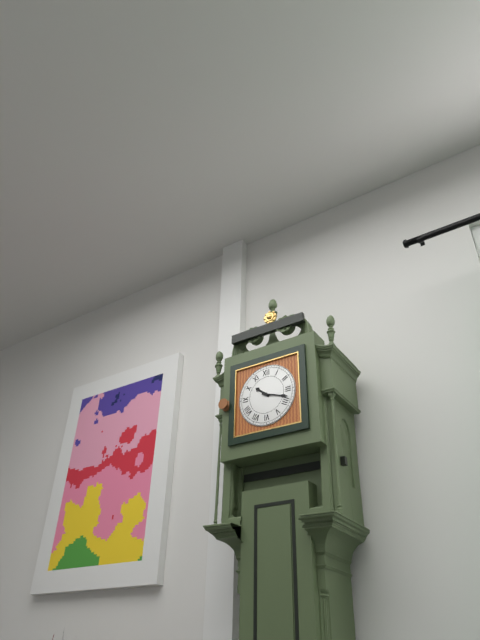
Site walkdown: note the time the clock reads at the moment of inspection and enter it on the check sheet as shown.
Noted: 10:18
